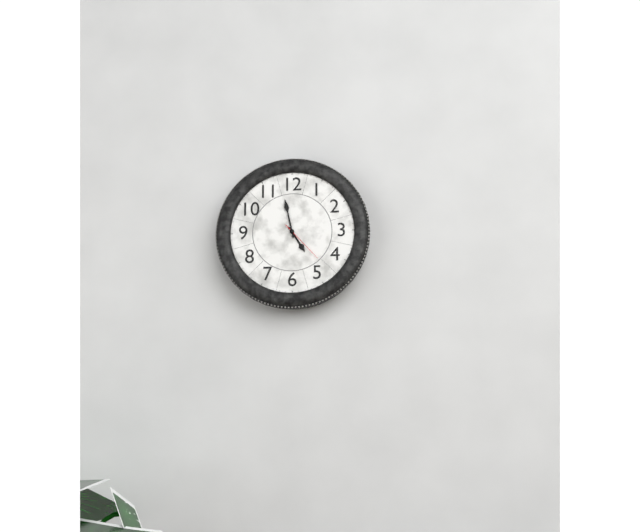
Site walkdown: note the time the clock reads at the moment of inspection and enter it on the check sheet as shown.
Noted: 4:58
